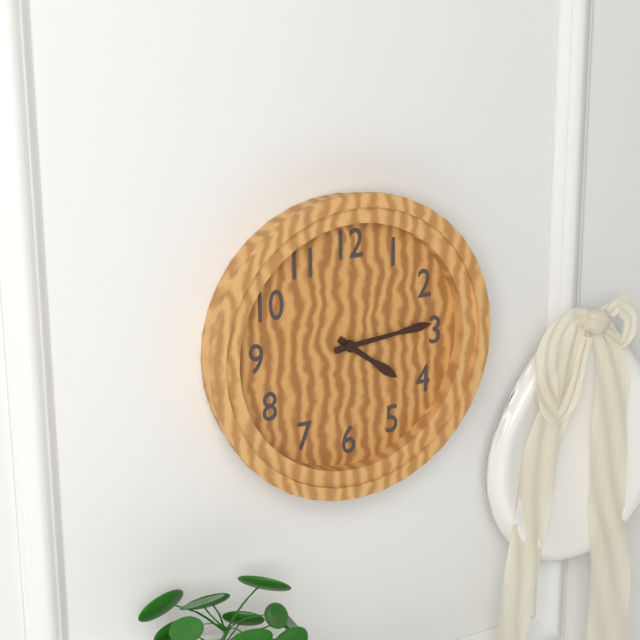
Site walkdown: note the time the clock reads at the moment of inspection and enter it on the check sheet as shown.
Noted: 4:14
